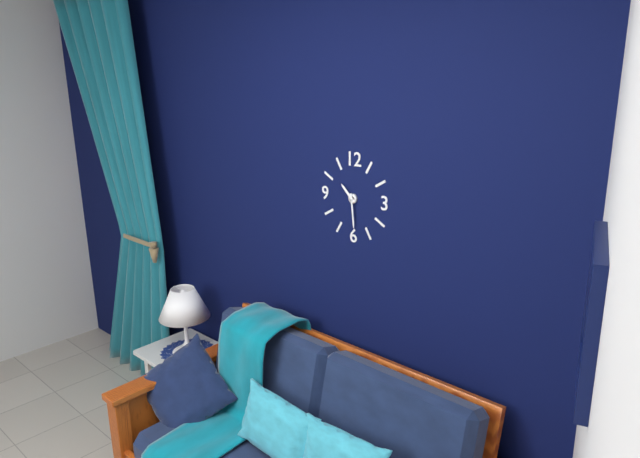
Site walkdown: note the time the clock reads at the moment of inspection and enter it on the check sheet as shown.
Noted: 10:29
